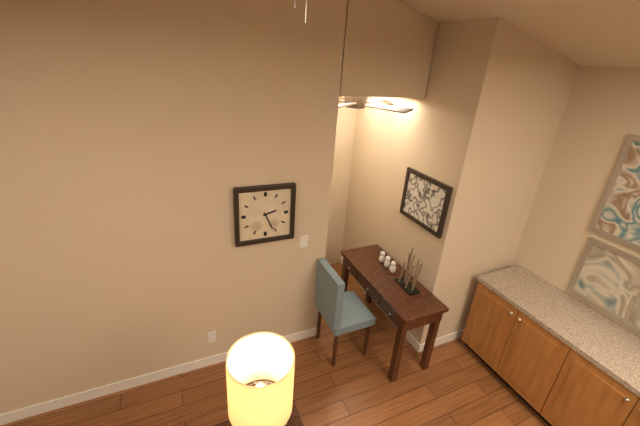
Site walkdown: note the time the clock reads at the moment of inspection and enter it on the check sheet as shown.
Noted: 2:26
